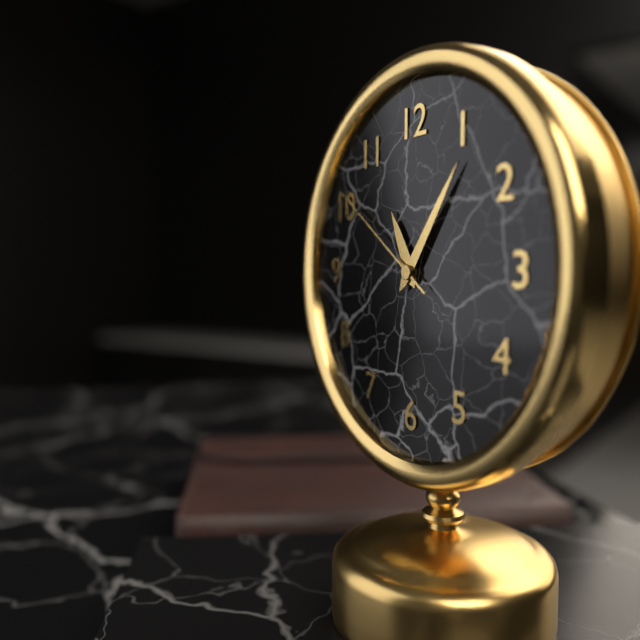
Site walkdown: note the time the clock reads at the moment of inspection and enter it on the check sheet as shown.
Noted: 11:06:51
